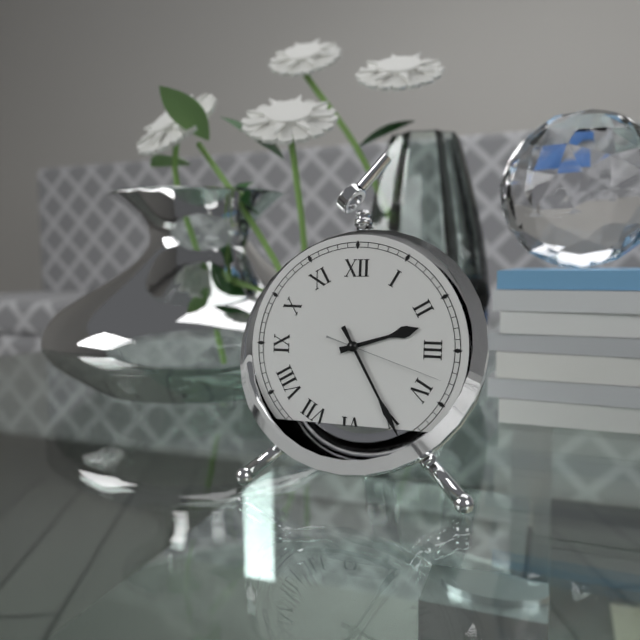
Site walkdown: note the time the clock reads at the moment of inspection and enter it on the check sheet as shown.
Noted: 2:25:18
